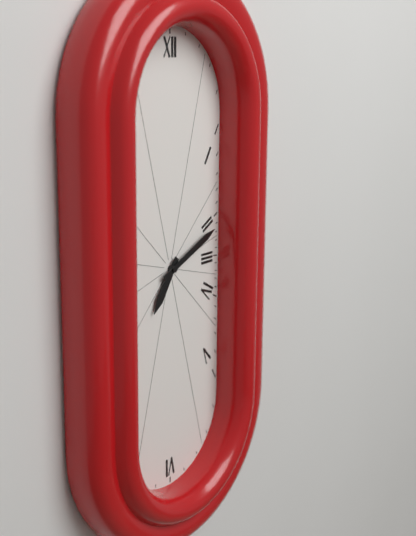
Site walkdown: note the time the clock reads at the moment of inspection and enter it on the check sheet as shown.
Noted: 7:11
